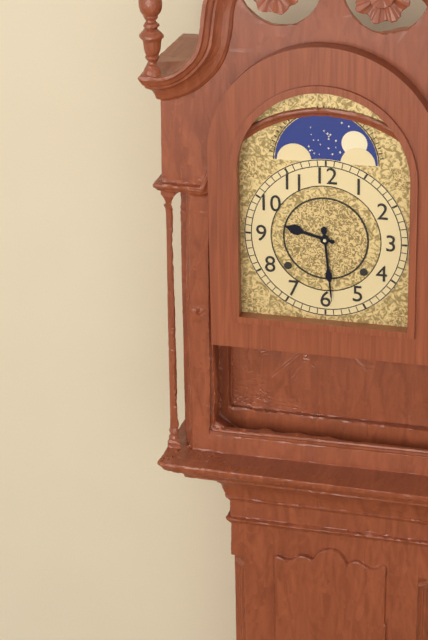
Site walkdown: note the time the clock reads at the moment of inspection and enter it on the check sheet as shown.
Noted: 9:29
